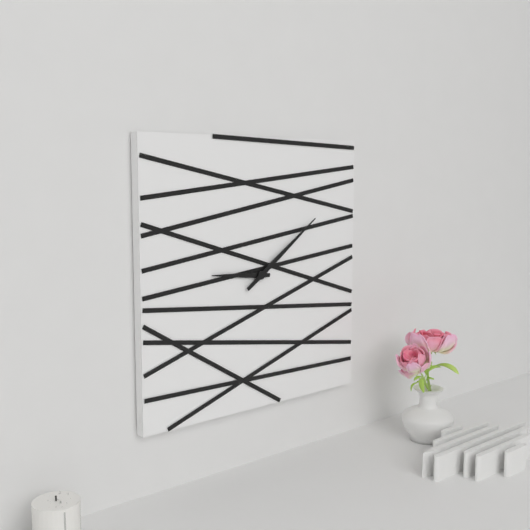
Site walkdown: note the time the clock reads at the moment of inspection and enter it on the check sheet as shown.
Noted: 9:09
